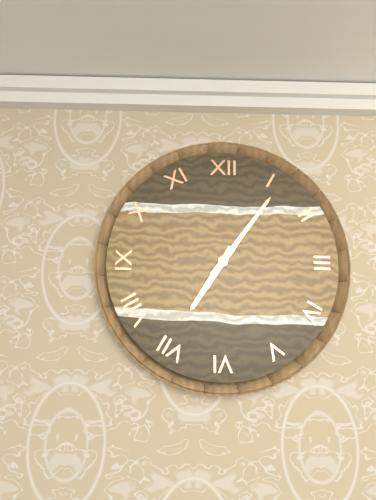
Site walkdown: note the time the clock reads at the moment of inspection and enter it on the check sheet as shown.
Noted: 7:06
